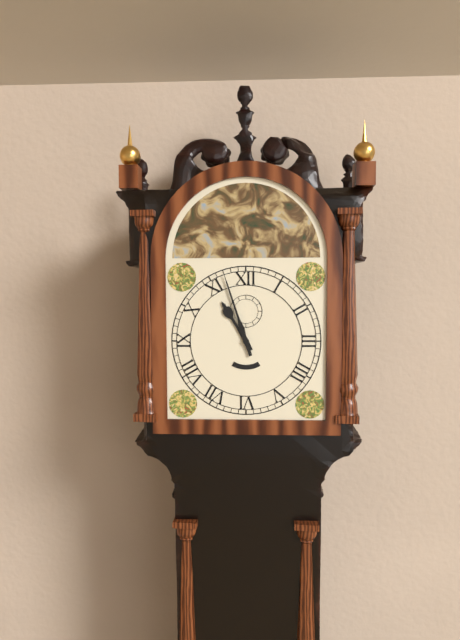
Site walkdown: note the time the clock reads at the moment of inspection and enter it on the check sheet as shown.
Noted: 10:57
